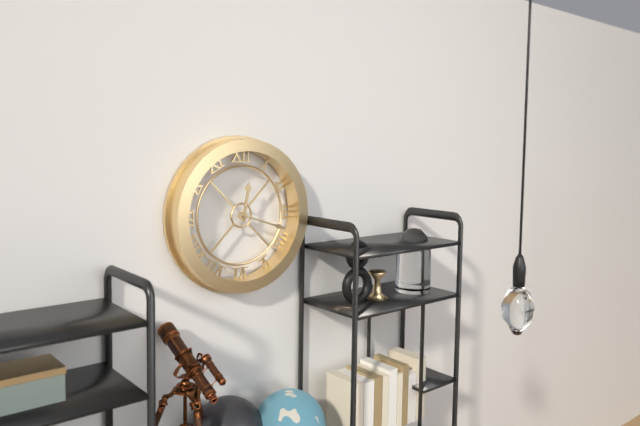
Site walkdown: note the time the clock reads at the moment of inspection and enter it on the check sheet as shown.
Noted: 12:18
